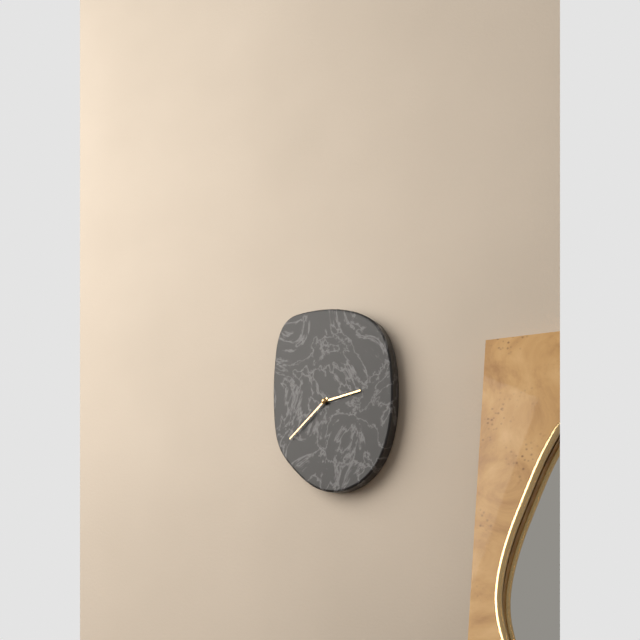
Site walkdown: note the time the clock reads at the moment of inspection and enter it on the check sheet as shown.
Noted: 2:38
